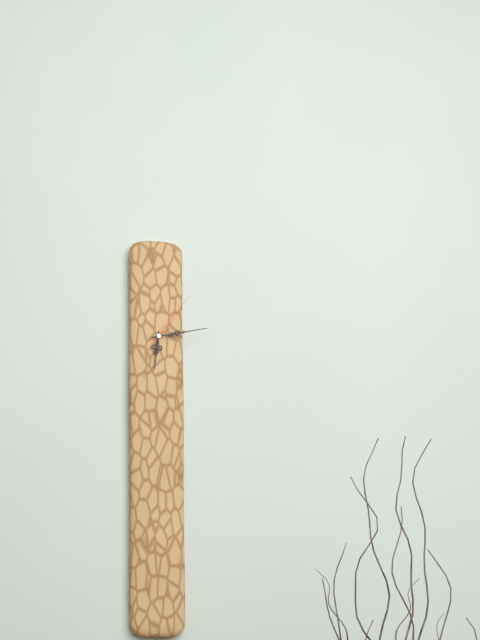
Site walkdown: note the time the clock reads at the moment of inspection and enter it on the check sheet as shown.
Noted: 6:13:06
